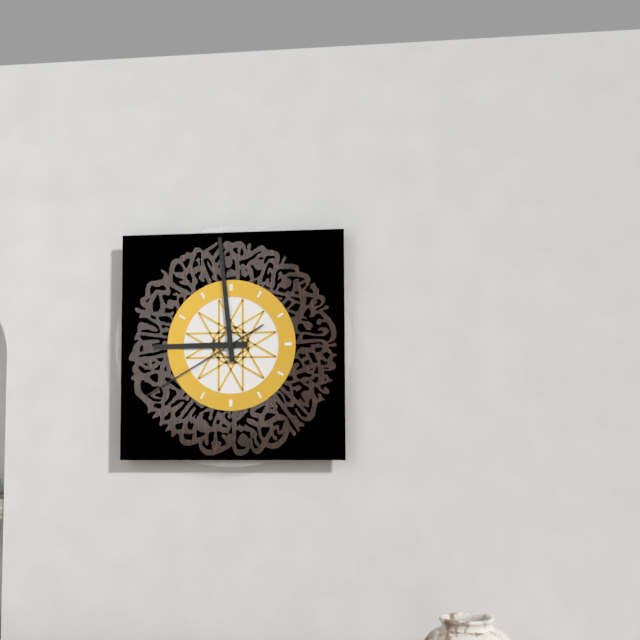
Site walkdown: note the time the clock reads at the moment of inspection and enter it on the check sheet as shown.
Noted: 8:59:40
